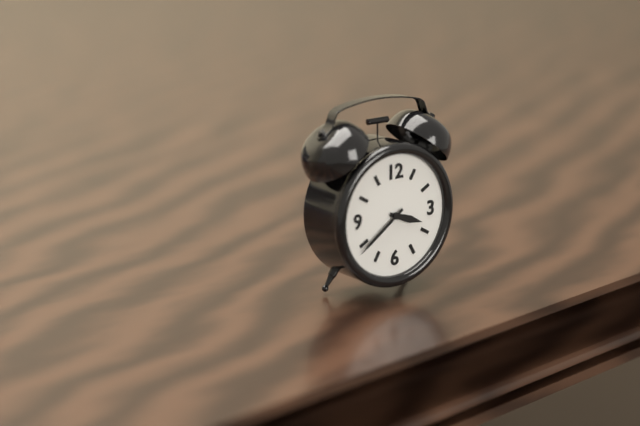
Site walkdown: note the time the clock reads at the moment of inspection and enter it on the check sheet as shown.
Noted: 3:39
